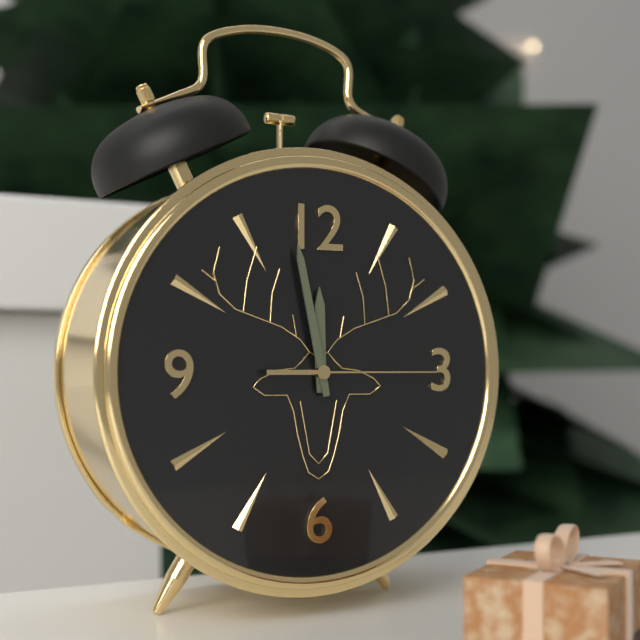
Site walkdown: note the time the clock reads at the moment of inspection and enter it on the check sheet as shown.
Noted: 11:58:15
